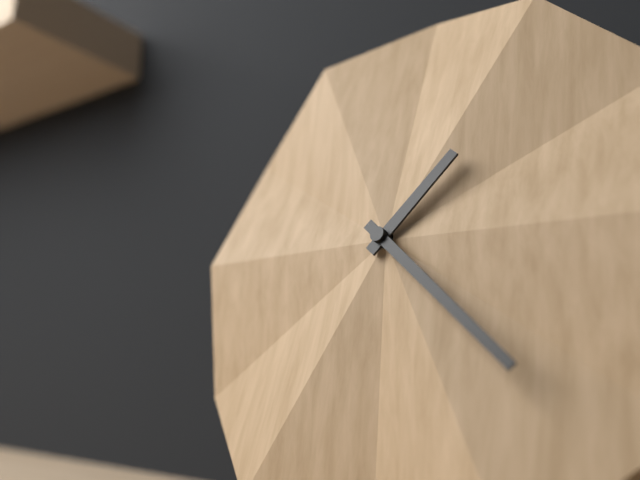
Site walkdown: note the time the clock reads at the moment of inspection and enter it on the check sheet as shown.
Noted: 1:22
